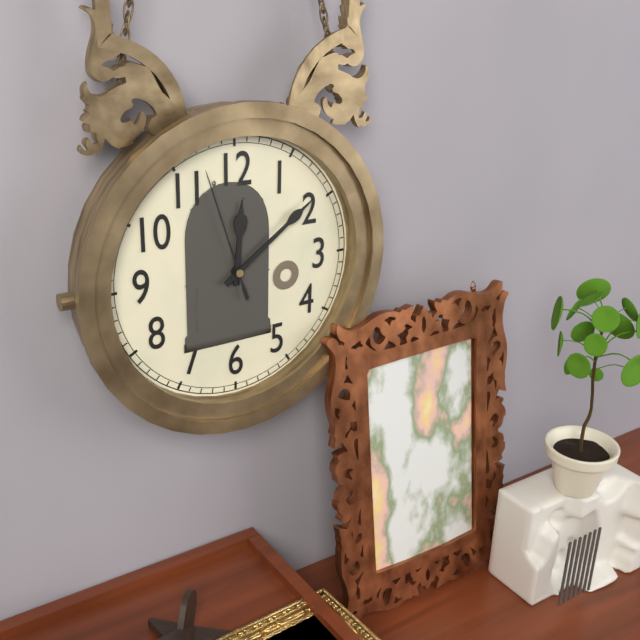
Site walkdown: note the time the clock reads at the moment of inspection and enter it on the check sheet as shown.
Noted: 12:09:57
